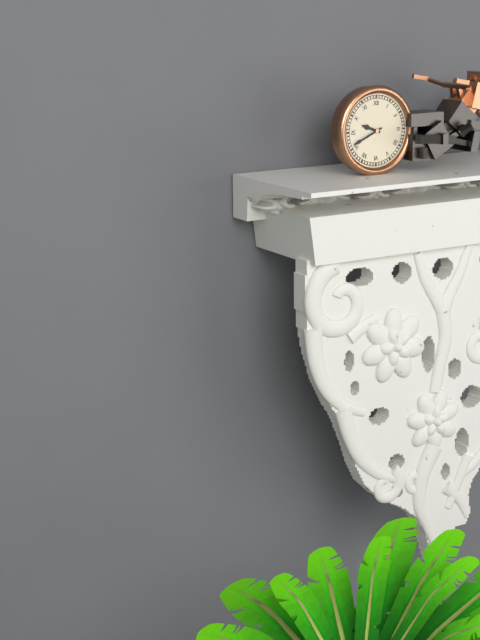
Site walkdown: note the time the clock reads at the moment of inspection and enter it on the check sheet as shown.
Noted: 9:41
